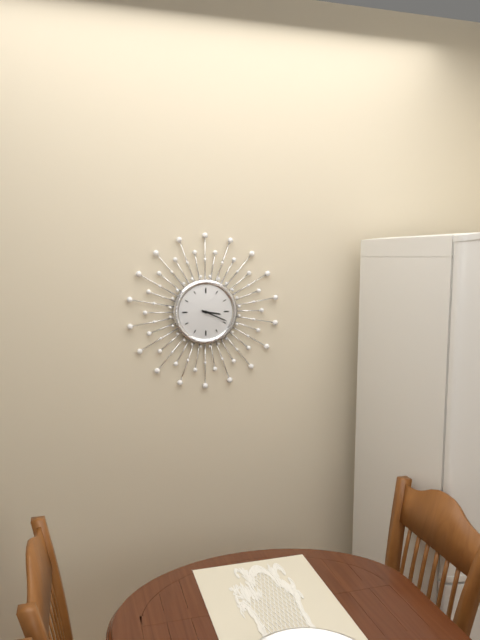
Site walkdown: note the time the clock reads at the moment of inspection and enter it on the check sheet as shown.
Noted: 3:19
